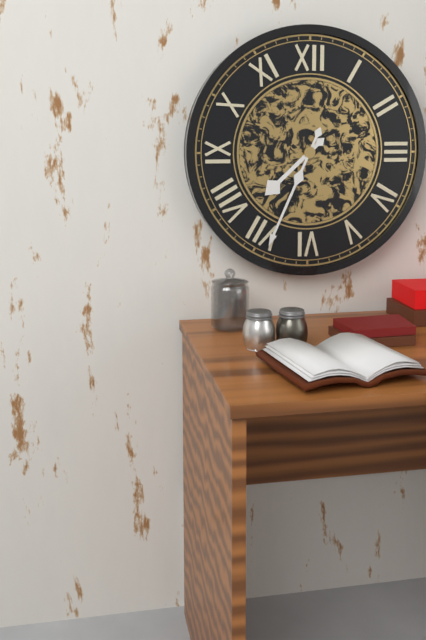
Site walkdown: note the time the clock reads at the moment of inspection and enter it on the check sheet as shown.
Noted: 7:34
